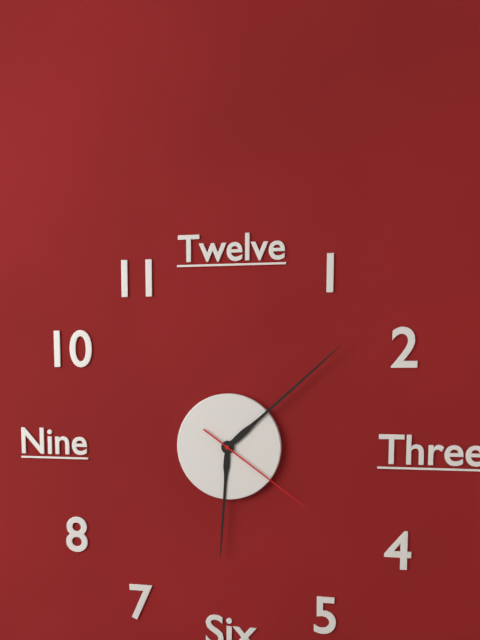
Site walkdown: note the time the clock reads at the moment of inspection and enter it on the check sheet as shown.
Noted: 6:08:21
